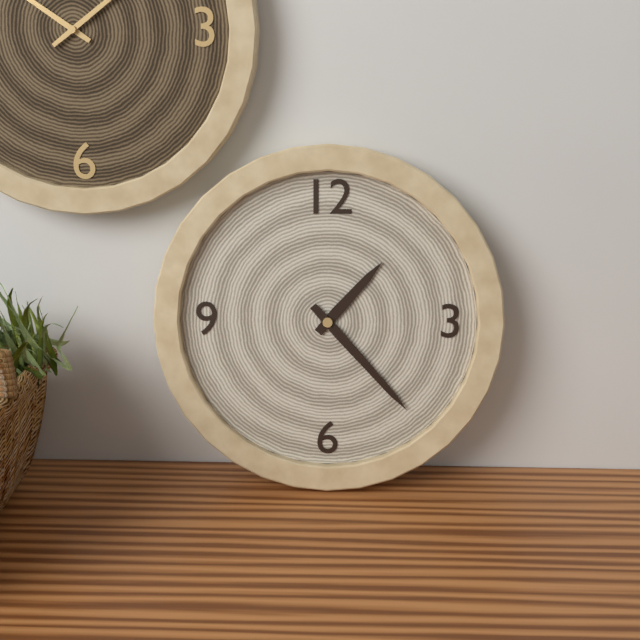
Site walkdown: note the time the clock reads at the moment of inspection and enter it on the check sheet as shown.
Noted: 1:23
